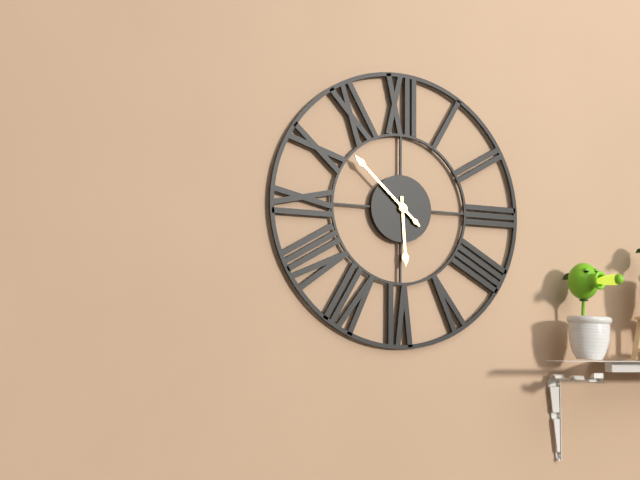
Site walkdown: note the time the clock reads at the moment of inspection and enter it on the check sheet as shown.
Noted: 5:52
